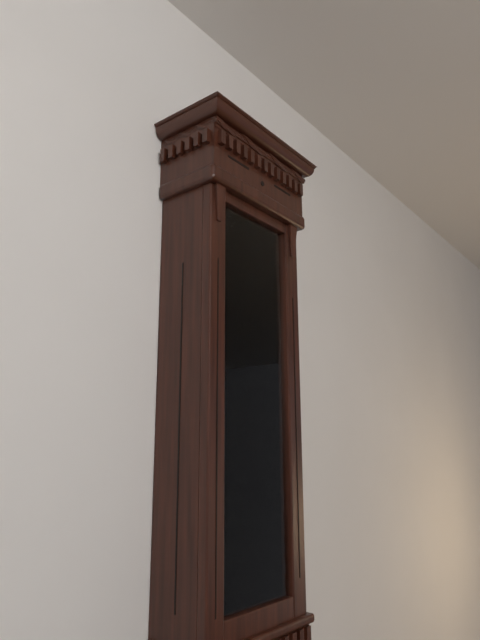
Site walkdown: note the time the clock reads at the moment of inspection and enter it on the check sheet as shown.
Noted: 11:12
